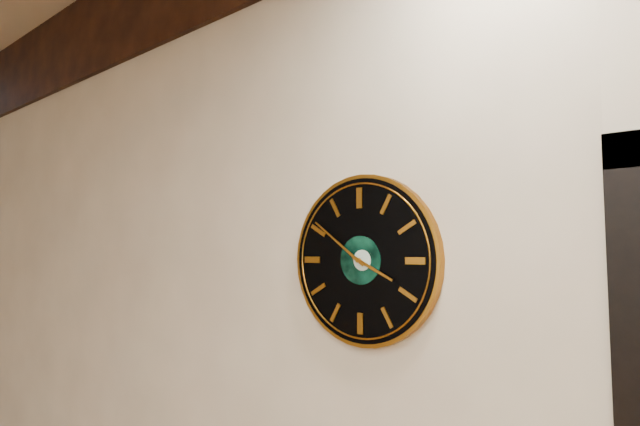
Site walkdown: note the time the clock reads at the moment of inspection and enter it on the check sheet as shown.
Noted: 3:51
